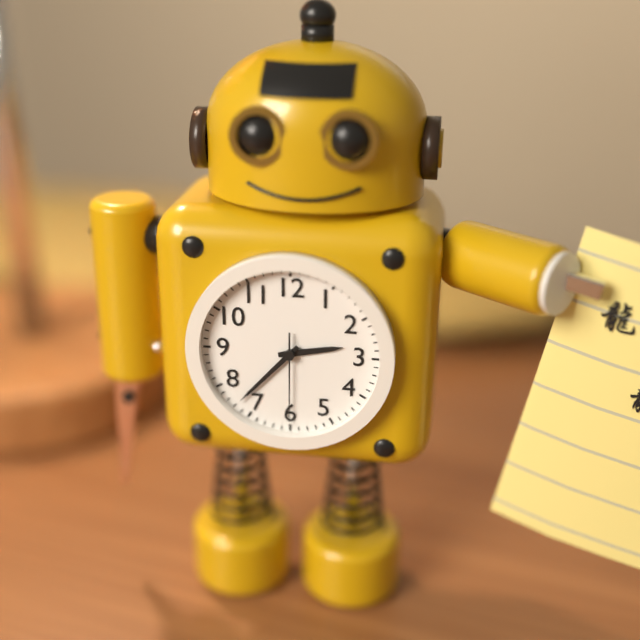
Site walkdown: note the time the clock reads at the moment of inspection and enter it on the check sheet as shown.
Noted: 2:37:30
